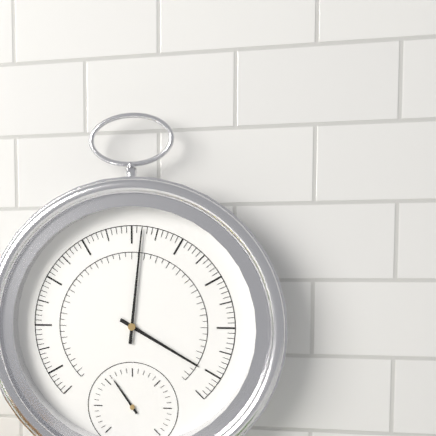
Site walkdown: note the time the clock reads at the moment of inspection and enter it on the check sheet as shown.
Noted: 4:01
